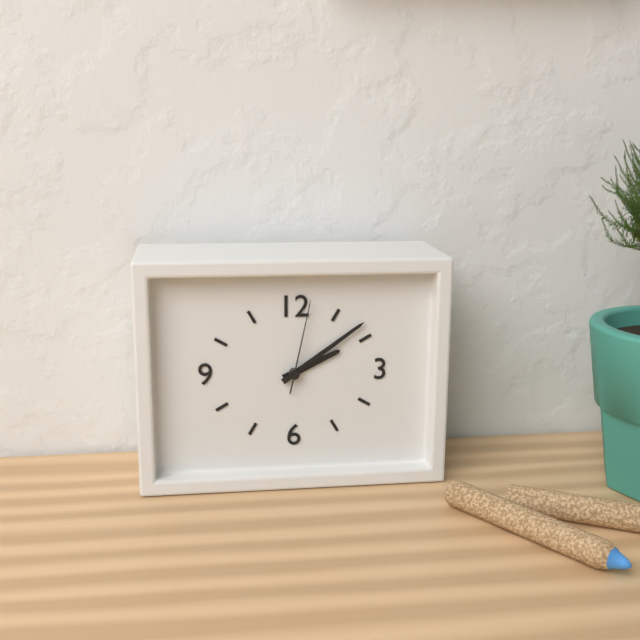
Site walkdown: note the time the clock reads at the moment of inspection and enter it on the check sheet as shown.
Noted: 2:09:02
